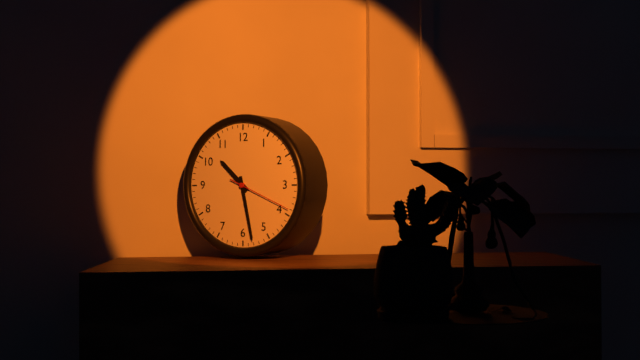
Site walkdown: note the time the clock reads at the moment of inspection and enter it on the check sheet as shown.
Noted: 10:28:19
